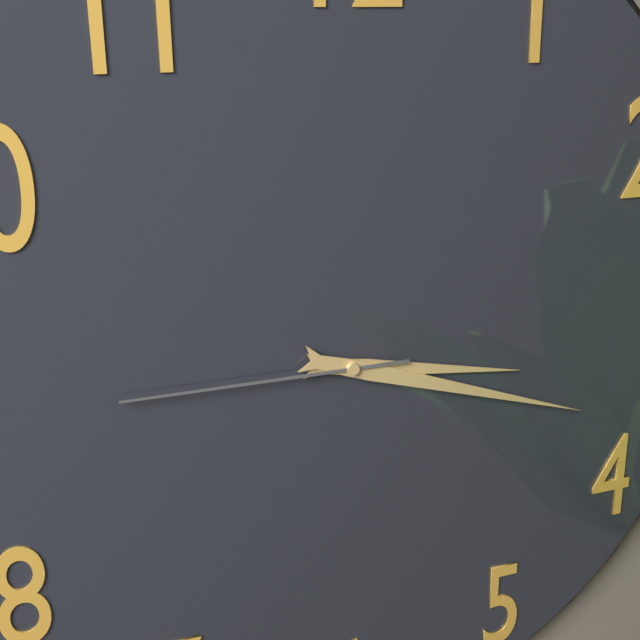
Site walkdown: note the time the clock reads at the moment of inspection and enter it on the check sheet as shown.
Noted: 3:18:45
